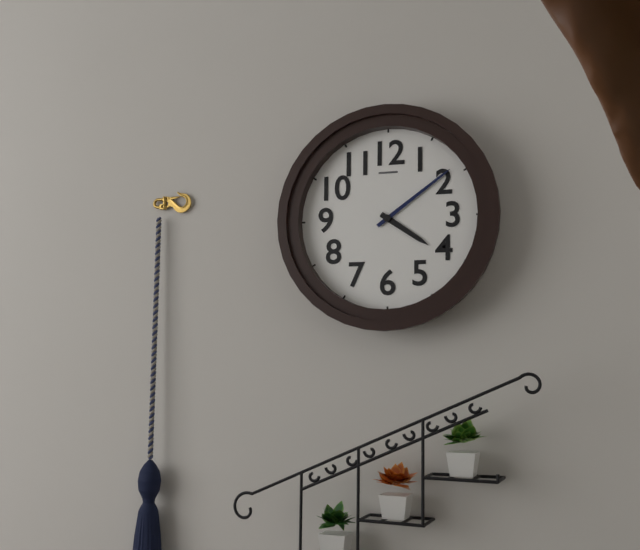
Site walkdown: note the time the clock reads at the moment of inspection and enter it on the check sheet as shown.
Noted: 4:09
